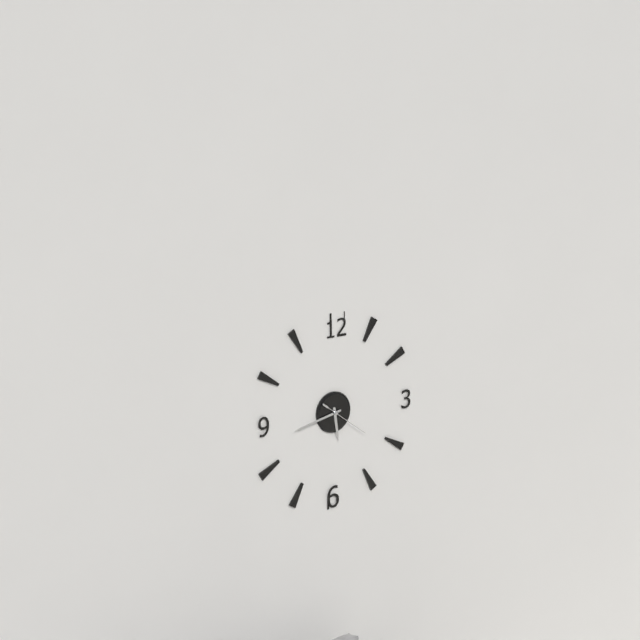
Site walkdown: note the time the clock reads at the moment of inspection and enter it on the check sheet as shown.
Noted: 5:43
